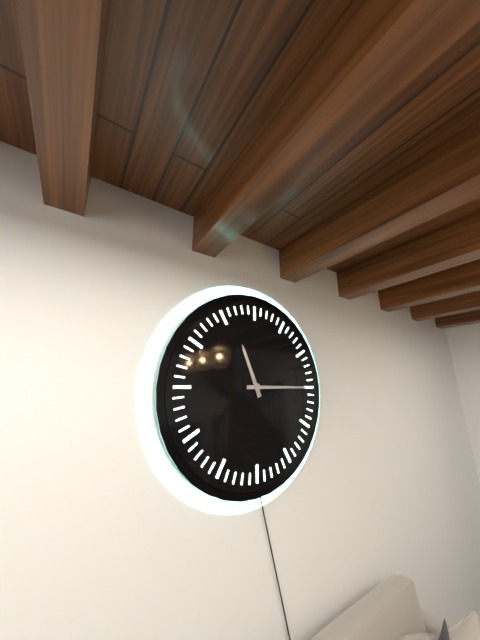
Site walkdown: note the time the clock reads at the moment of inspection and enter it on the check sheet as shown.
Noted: 11:15
